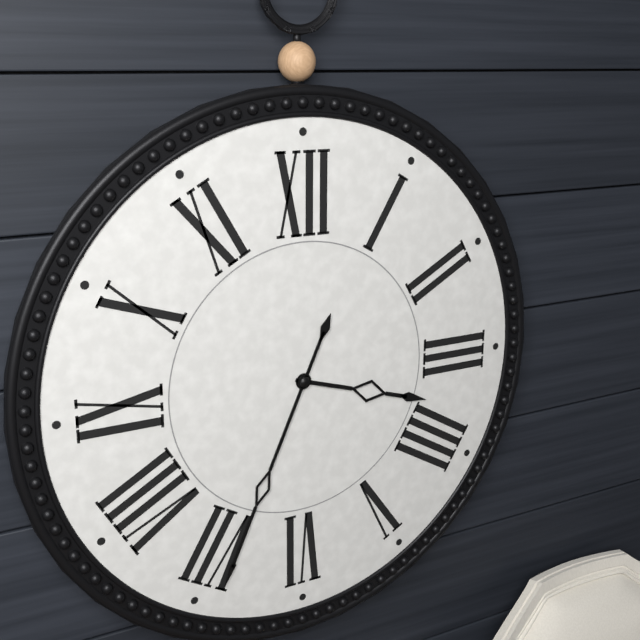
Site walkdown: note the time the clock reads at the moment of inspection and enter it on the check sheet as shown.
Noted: 3:34
